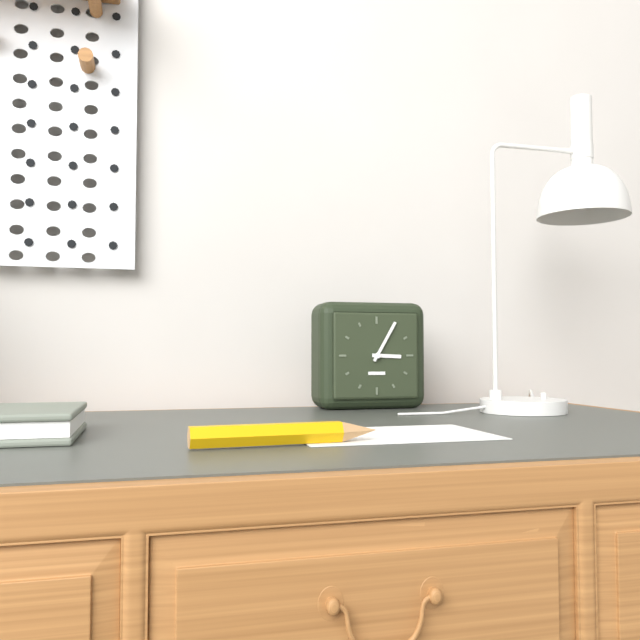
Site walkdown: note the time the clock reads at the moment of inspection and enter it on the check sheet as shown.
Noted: 3:05
